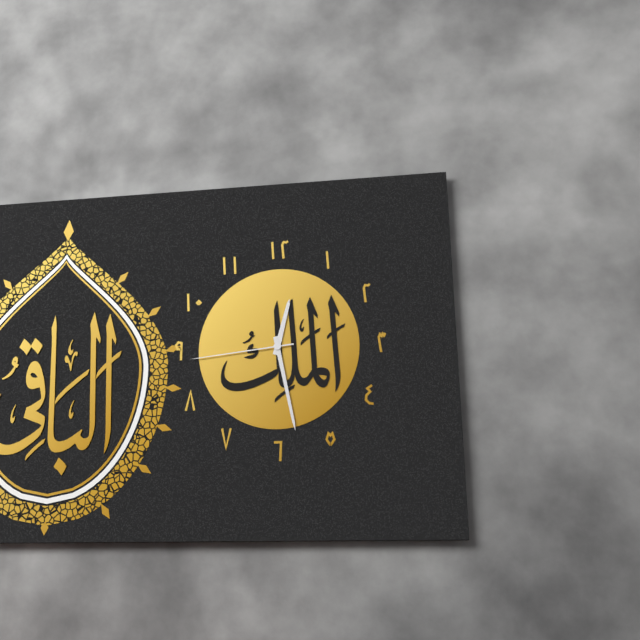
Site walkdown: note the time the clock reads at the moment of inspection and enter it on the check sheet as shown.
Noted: 12:28:44
